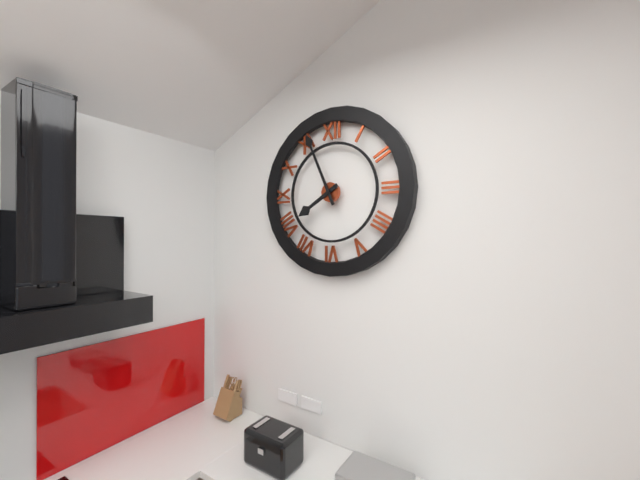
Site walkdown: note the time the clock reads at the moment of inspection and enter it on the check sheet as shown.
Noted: 7:56
